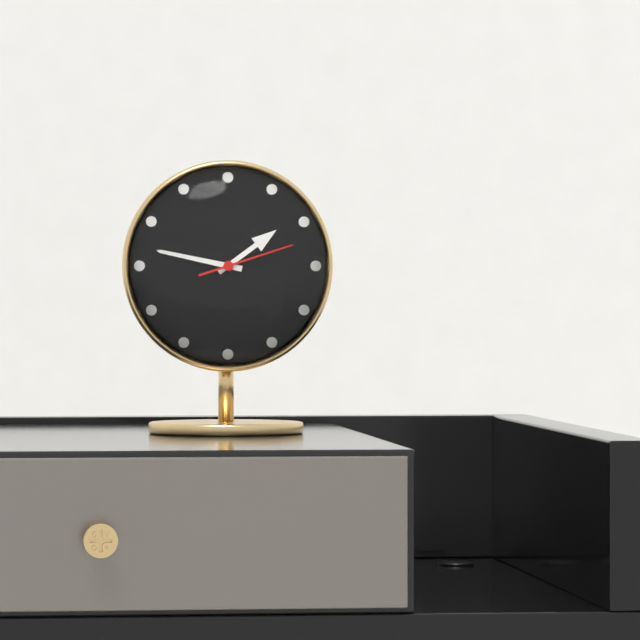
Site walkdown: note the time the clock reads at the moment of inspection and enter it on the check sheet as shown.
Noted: 1:47:12
